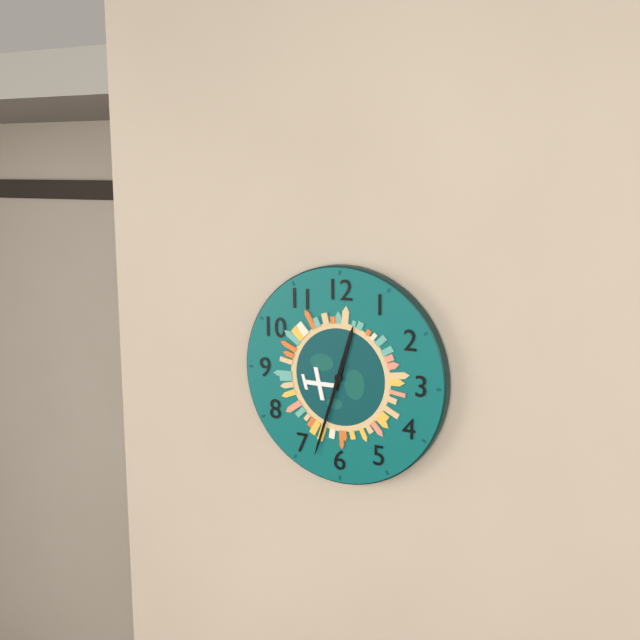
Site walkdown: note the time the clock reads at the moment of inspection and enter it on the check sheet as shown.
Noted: 12:33
